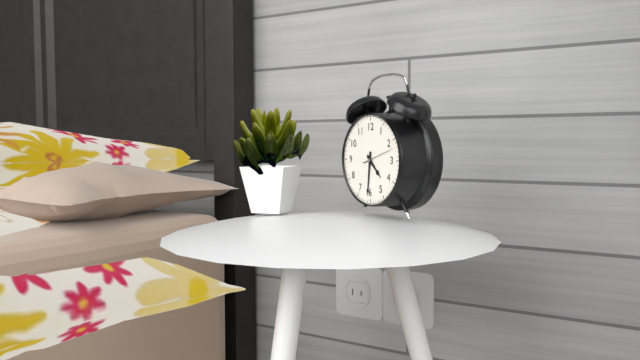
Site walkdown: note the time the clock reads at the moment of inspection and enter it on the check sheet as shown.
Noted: 4:31
